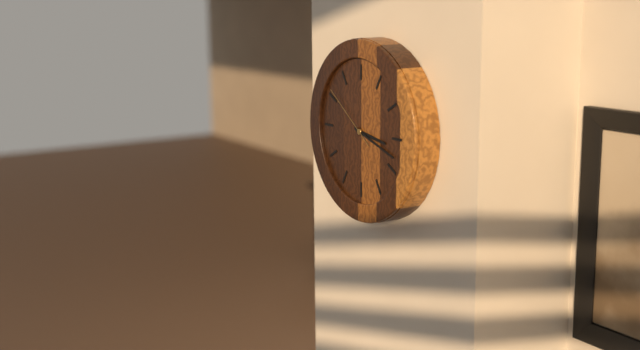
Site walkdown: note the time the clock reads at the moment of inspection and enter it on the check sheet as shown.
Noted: 3:18:51
